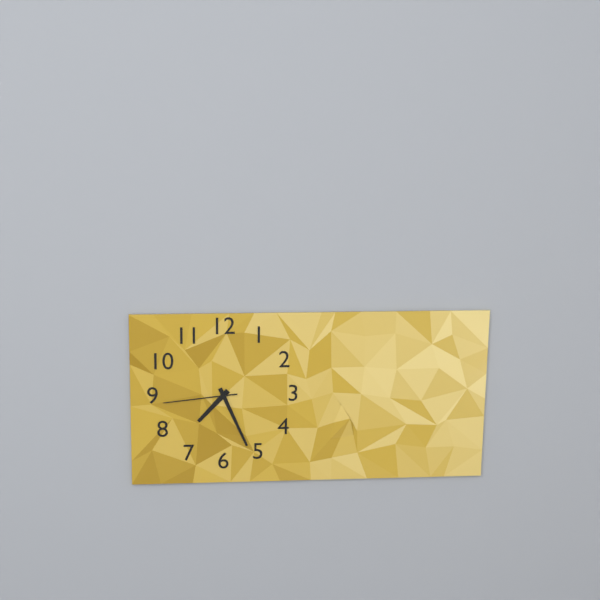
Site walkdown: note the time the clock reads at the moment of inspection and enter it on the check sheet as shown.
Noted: 7:26:44
